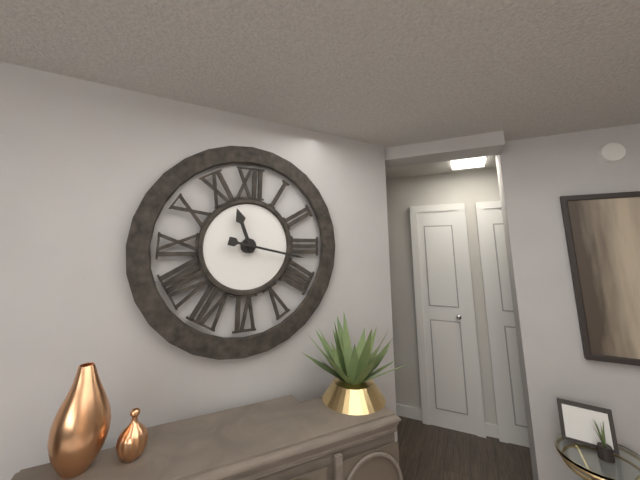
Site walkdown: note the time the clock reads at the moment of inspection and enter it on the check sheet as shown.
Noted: 11:17
